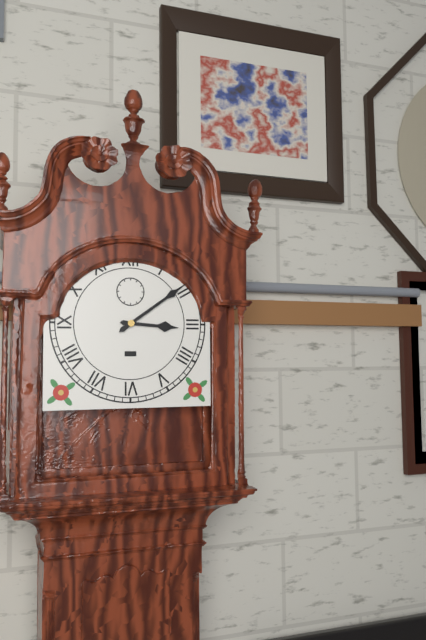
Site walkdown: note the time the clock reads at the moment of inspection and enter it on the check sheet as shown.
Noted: 3:09
